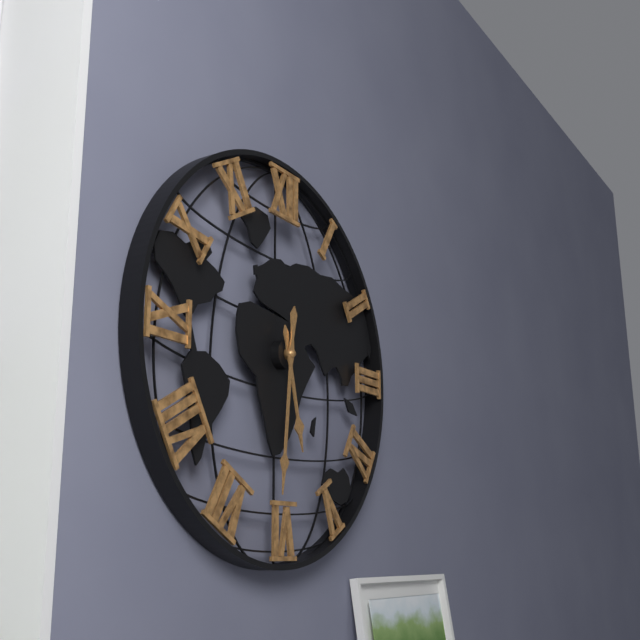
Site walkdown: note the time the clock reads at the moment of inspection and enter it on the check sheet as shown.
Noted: 5:31
